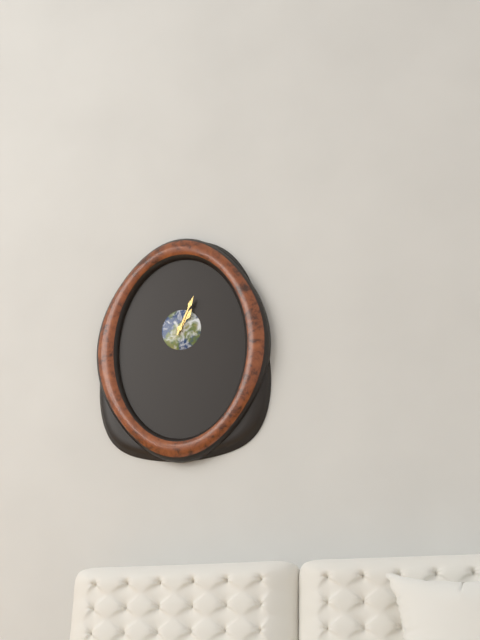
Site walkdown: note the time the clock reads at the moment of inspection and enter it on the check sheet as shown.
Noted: 1:04
